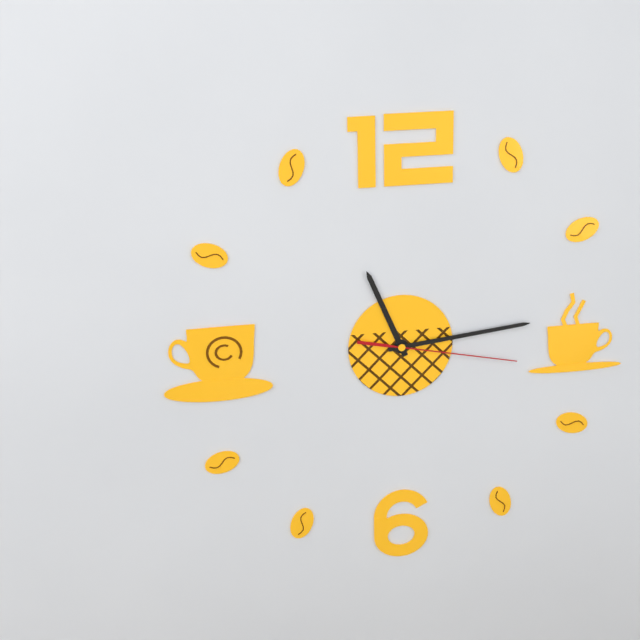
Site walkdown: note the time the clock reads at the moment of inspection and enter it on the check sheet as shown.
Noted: 11:14:17
